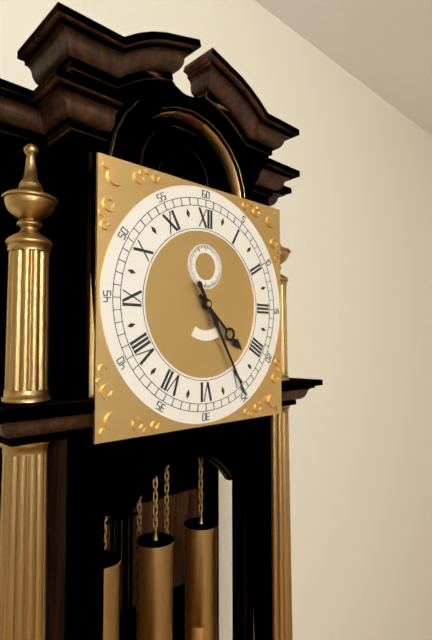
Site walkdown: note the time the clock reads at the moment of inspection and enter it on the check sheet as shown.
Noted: 4:25
